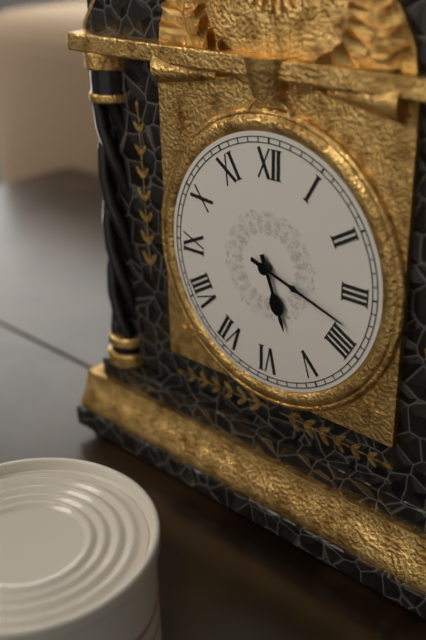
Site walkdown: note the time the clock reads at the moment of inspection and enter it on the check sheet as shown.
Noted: 5:18
